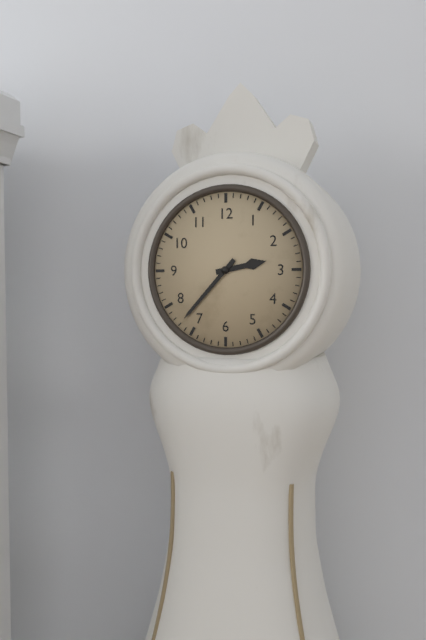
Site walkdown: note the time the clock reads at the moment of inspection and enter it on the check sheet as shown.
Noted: 2:37
